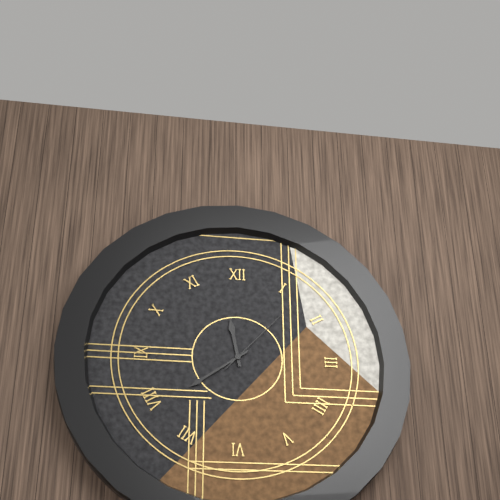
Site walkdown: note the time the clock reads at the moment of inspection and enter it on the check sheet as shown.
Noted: 11:39:07
